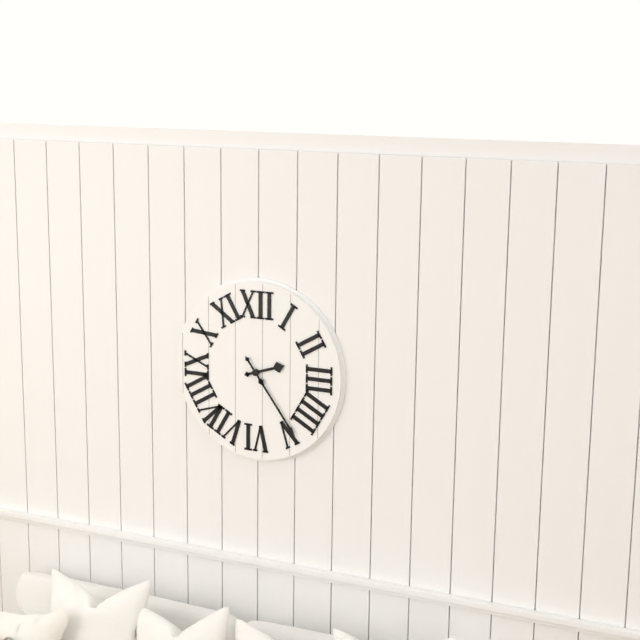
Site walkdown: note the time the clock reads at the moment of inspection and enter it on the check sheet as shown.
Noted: 2:24
